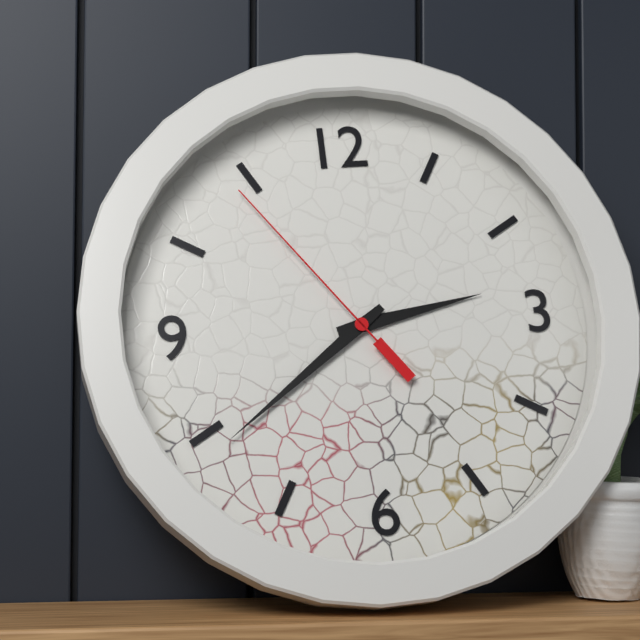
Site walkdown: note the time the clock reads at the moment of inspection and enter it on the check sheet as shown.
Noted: 2:39:54
